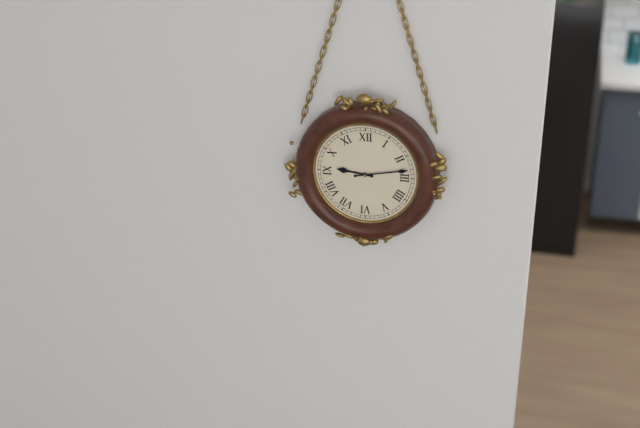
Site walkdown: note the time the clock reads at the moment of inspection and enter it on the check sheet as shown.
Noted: 9:13
